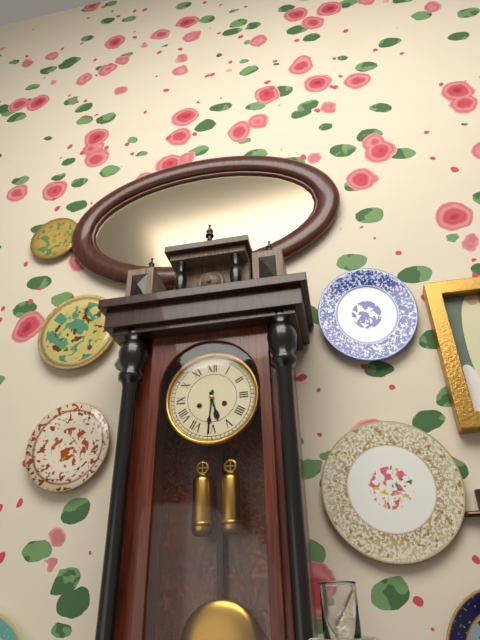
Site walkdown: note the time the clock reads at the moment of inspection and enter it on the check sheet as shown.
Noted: 5:31
